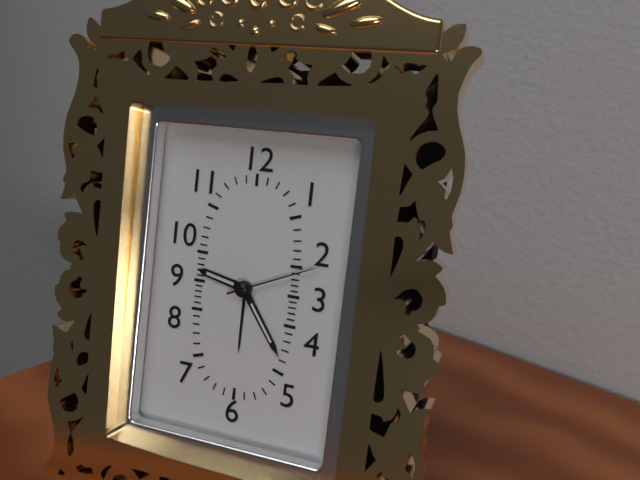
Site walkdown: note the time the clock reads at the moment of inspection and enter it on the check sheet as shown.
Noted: 9:24:11
